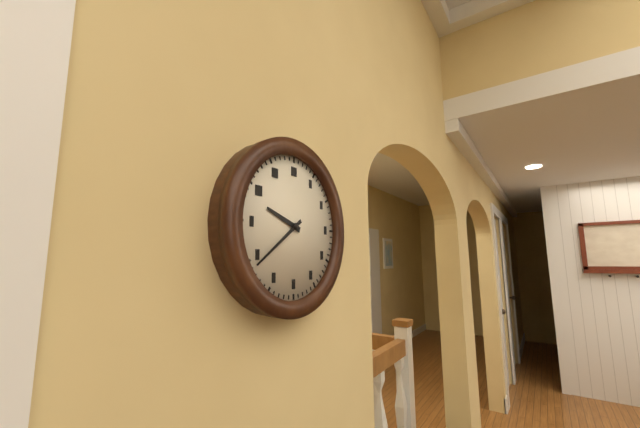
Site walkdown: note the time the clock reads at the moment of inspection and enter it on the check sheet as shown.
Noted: 9:39
